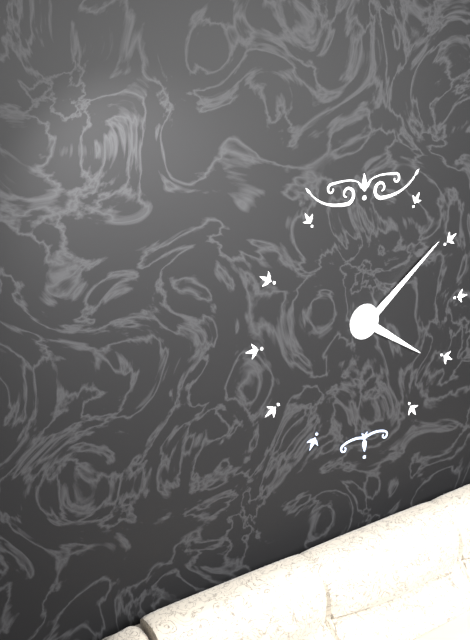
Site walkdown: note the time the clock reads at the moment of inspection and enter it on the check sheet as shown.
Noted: 4:09
